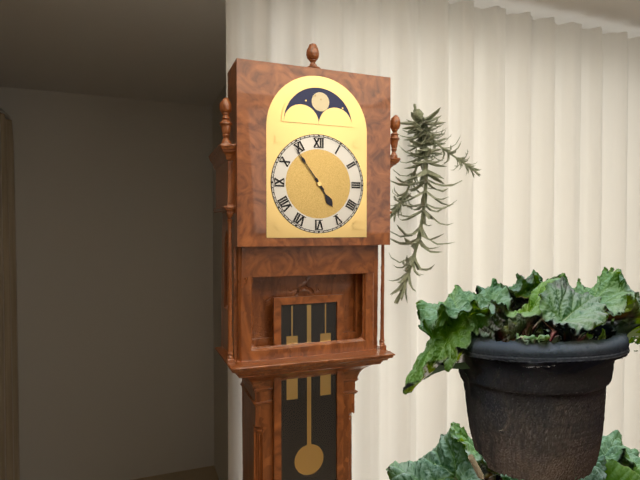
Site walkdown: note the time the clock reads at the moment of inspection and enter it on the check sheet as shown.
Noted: 4:54
